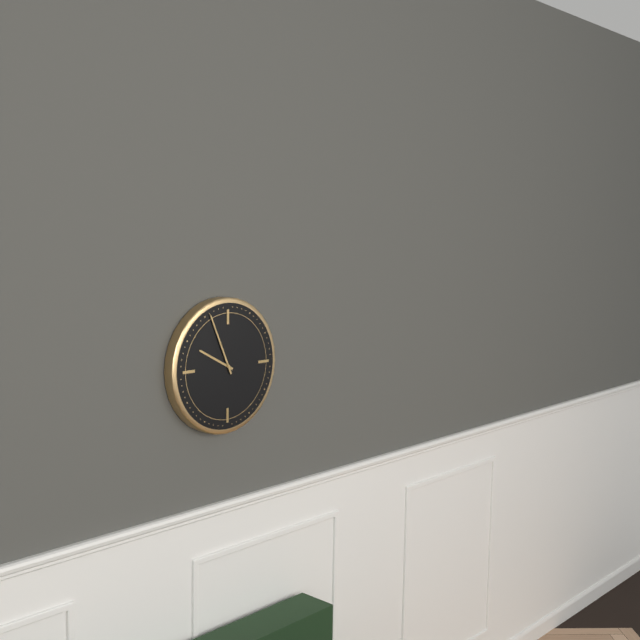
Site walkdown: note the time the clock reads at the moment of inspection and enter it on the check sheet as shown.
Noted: 9:56
